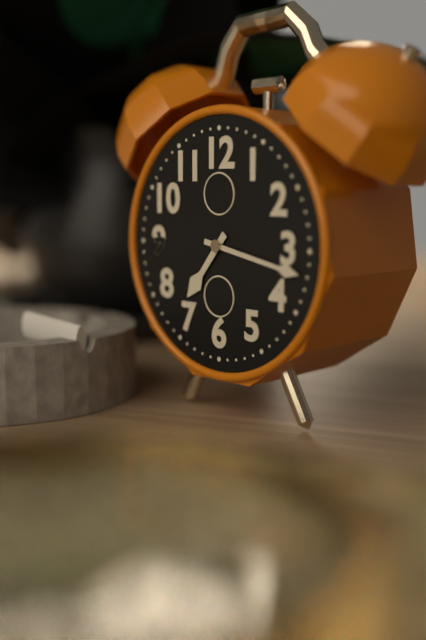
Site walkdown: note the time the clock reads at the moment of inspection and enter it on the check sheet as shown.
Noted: 7:17
